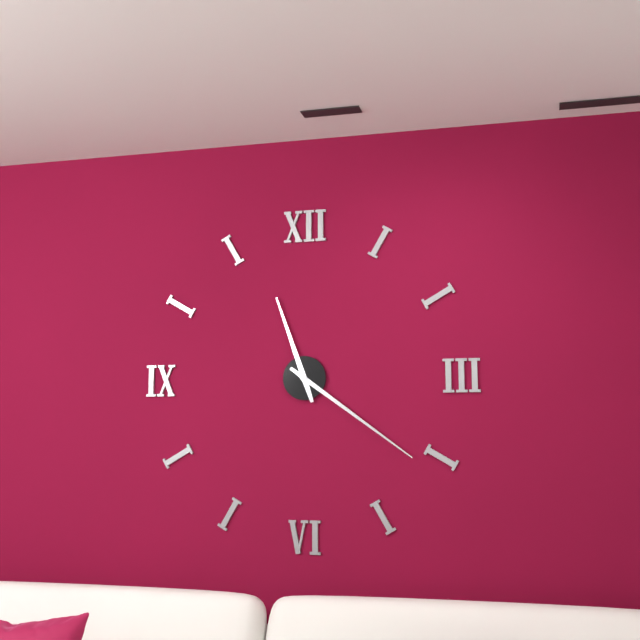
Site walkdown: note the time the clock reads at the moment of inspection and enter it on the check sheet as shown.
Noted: 11:21
